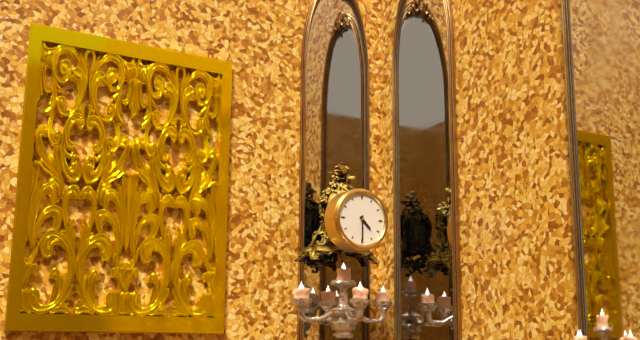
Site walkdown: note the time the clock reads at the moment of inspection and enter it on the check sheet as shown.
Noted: 4:30
